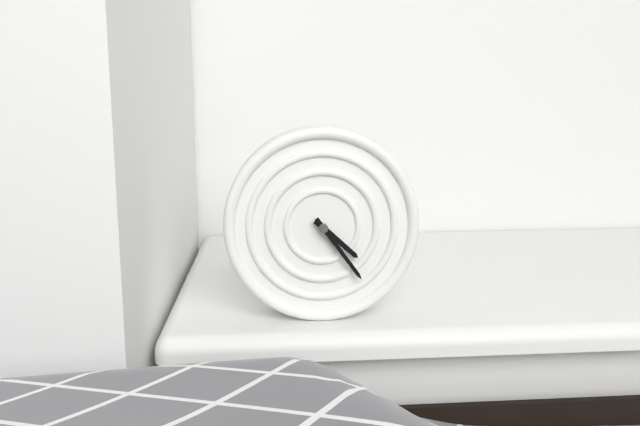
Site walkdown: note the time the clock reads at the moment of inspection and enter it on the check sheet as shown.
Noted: 4:24
